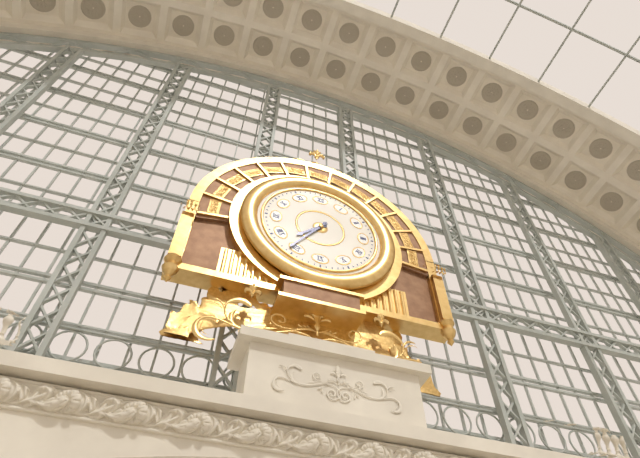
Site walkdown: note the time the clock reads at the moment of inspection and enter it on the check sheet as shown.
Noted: 7:36
